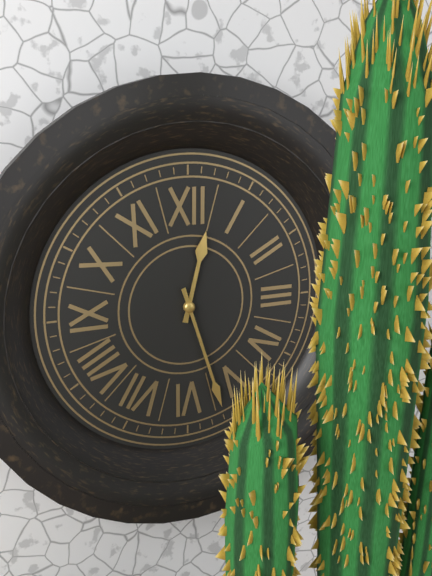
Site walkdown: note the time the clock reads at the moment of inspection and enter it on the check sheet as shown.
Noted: 12:27
